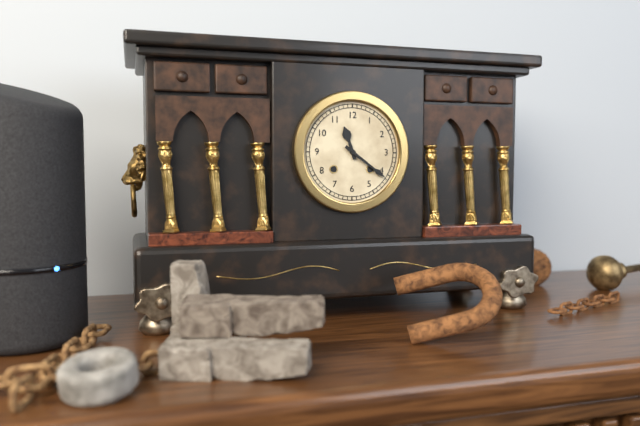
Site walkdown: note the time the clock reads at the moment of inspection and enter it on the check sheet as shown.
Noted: 11:21
